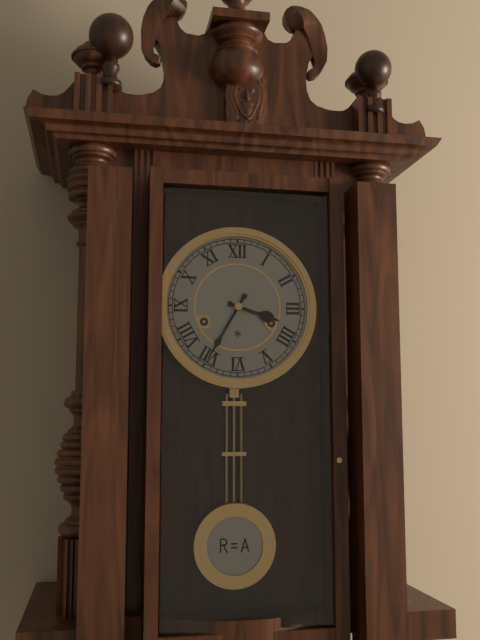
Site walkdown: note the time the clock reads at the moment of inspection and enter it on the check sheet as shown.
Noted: 3:35
